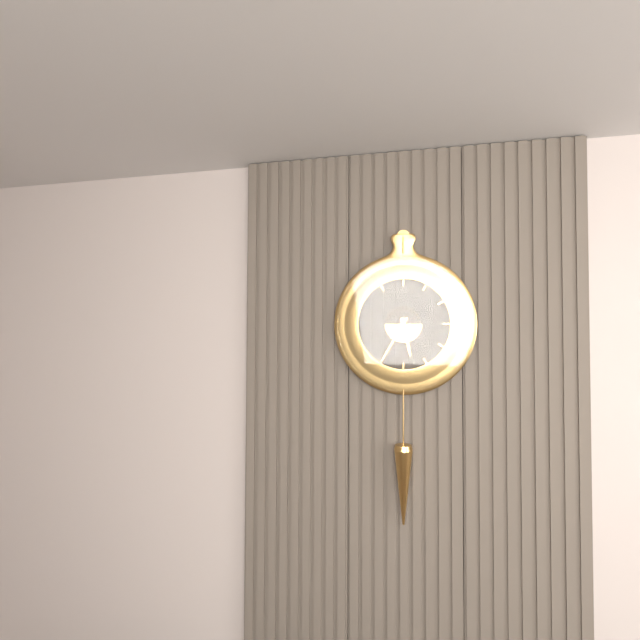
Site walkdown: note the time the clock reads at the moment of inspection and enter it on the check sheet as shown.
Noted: 5:35
